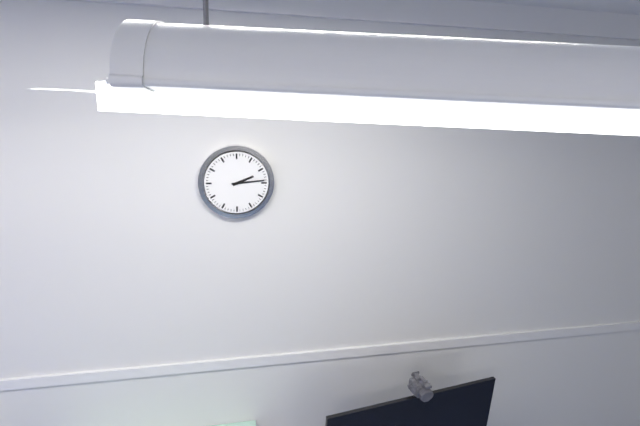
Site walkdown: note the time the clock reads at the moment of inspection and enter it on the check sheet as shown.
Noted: 2:14
